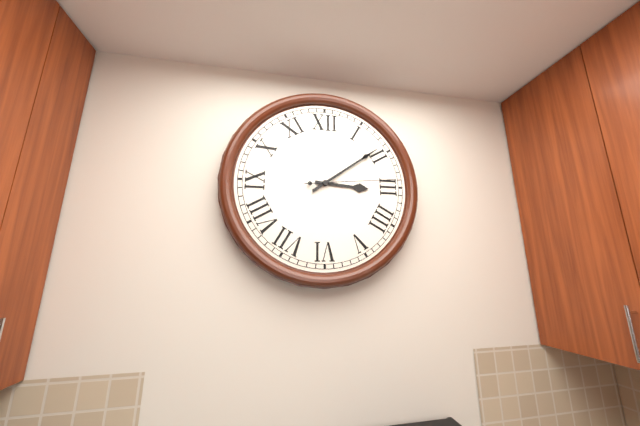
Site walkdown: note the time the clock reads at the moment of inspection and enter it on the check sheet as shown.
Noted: 3:09:14
